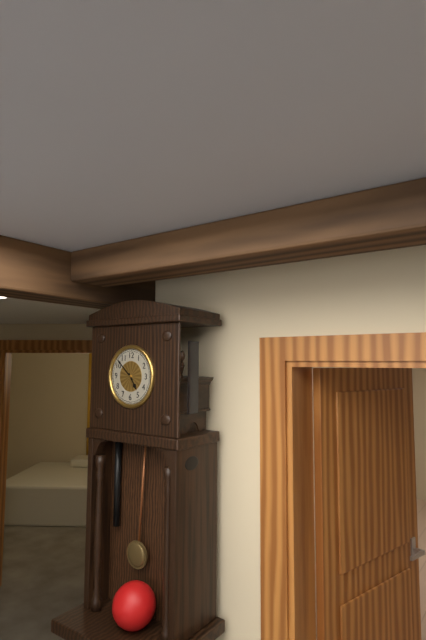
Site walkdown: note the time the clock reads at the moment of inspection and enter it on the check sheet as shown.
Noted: 4:52
